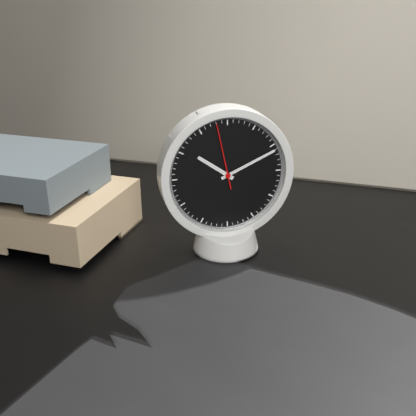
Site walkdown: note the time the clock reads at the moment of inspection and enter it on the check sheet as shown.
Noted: 10:11:58
